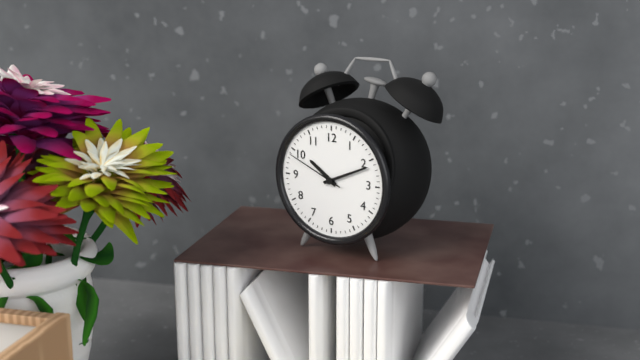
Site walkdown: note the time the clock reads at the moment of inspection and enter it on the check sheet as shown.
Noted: 10:11:49
